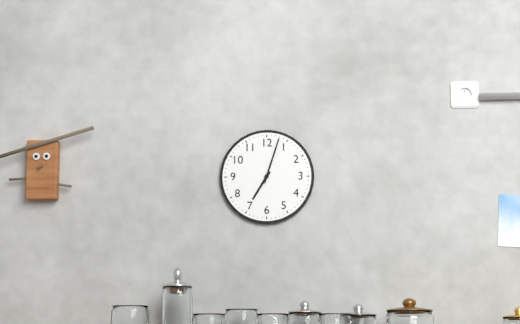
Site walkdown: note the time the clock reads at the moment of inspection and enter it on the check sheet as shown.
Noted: 7:03
